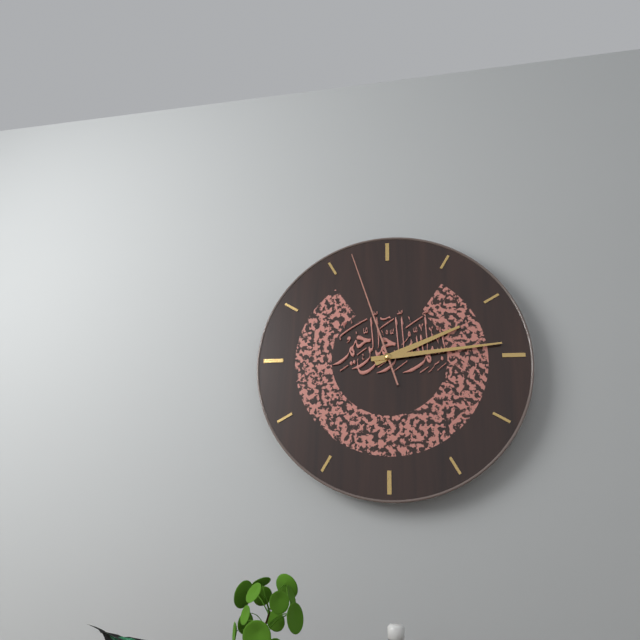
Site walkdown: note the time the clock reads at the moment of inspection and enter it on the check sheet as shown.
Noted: 2:14:57
